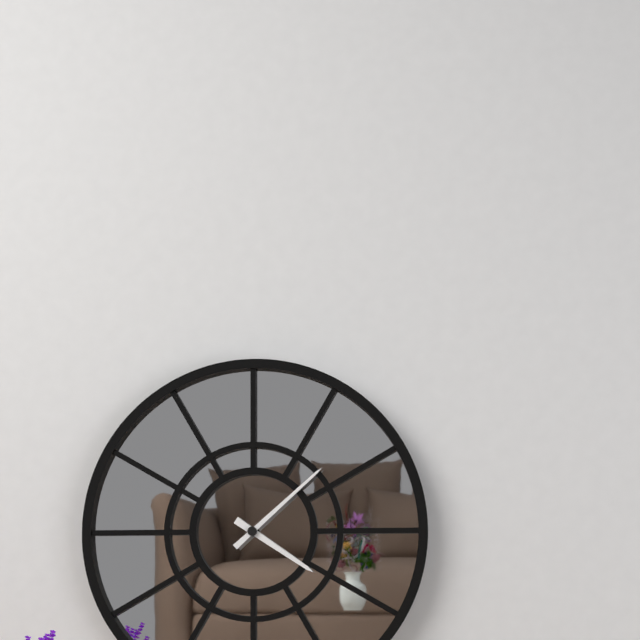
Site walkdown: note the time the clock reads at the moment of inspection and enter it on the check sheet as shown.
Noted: 4:08
